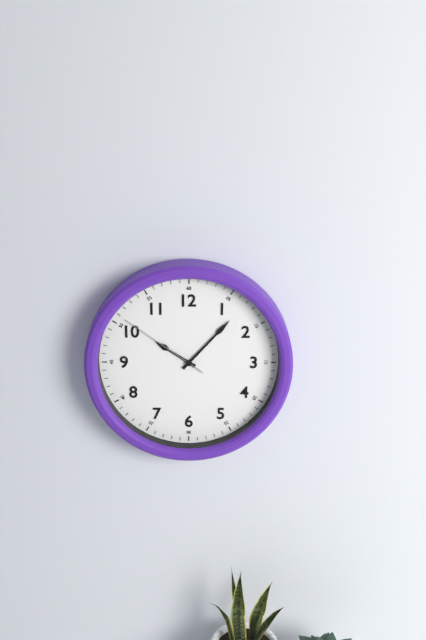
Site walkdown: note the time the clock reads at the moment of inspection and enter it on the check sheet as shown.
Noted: 10:07:51
